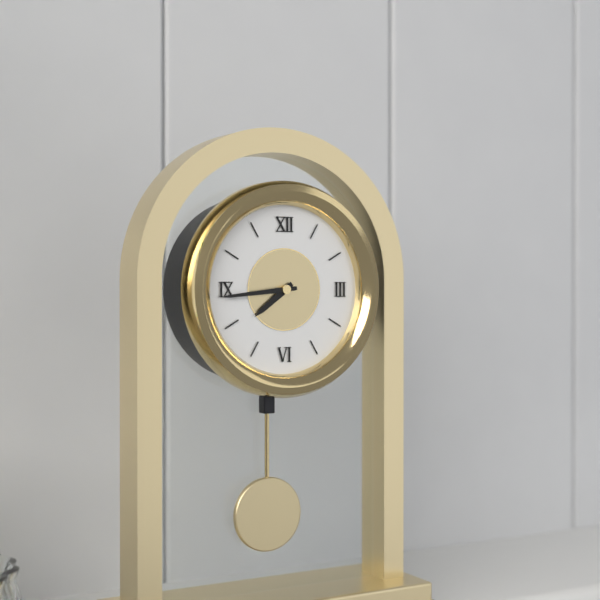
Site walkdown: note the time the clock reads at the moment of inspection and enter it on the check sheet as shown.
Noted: 7:44
